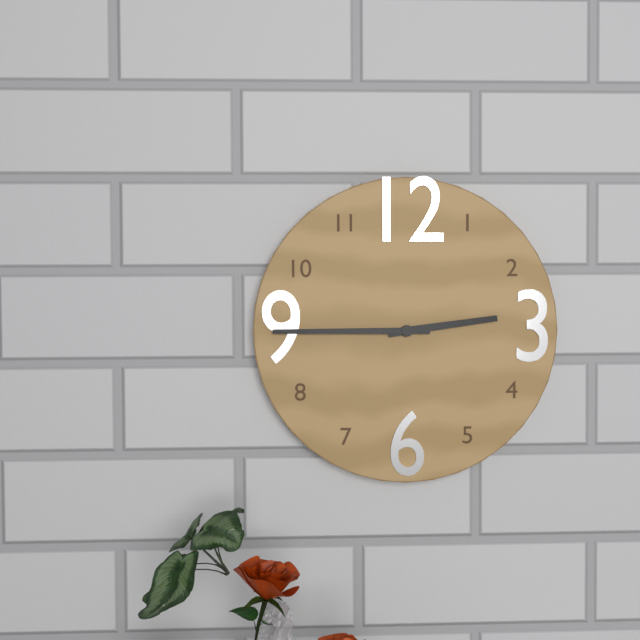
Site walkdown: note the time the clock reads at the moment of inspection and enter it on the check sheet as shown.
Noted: 2:45
